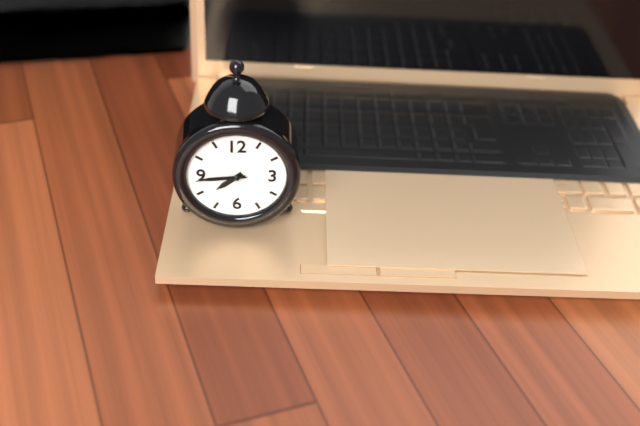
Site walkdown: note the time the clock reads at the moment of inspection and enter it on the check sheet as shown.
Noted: 7:44:44
